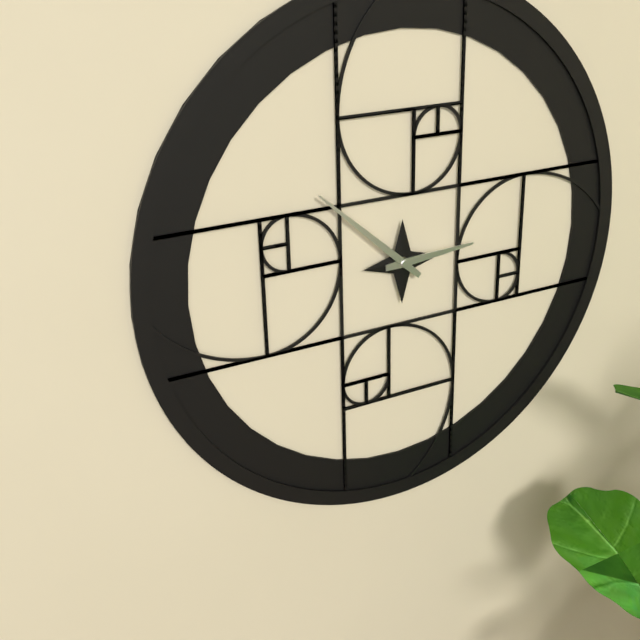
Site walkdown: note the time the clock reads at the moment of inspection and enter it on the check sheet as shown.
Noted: 2:52
